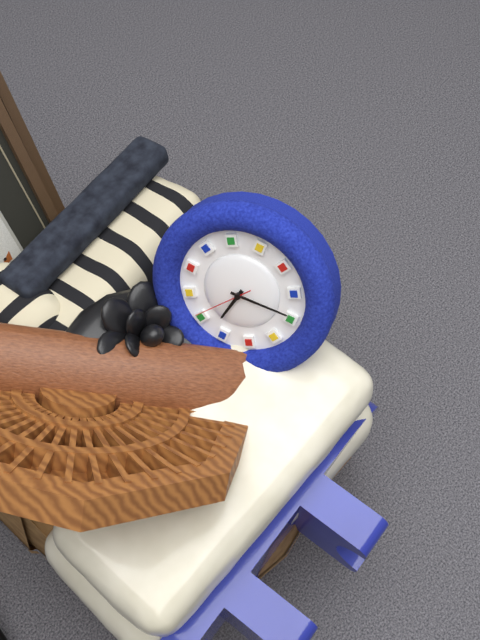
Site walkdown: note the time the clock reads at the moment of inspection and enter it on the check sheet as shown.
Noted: 8:24:46
